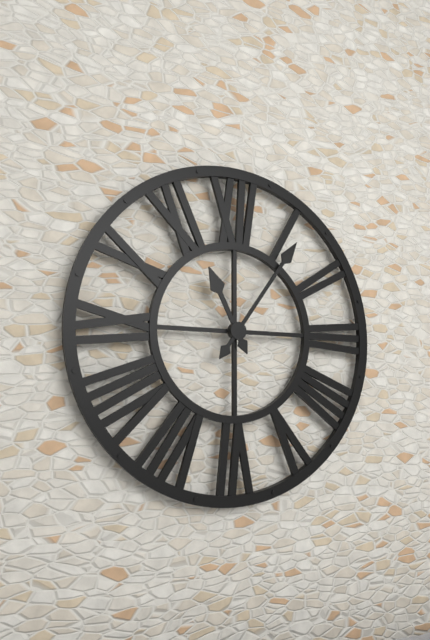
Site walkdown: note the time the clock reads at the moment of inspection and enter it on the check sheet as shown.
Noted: 11:06
